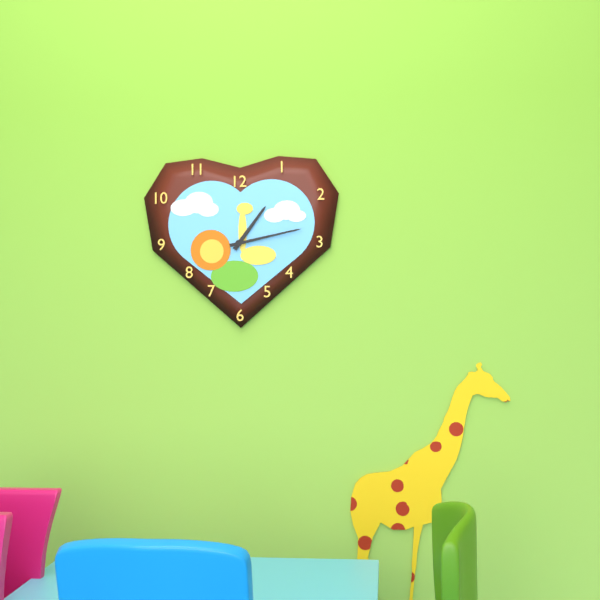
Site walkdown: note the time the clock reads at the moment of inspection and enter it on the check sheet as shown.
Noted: 1:13
